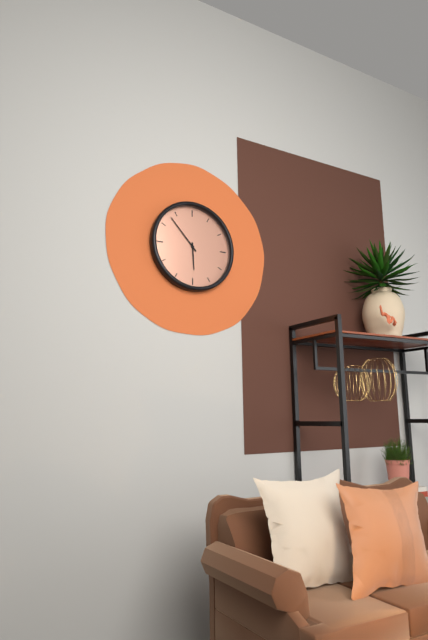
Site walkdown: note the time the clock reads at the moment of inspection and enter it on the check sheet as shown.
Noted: 5:53
